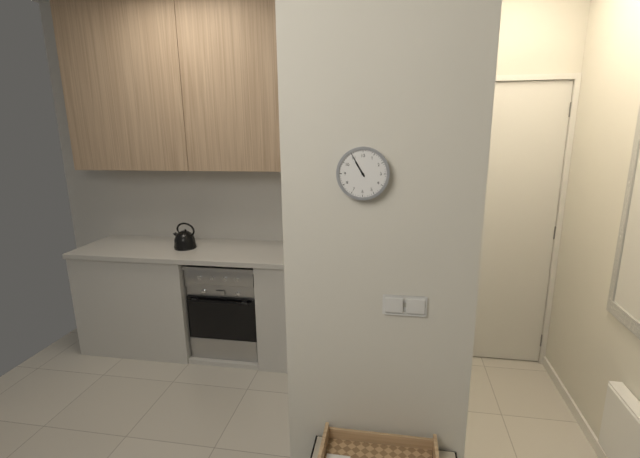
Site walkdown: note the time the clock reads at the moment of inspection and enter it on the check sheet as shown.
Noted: 10:55
